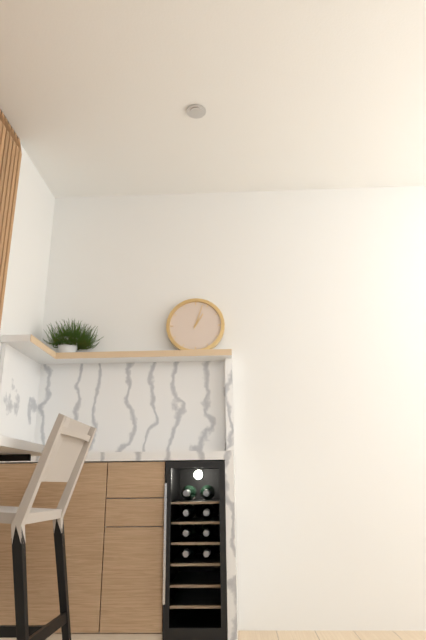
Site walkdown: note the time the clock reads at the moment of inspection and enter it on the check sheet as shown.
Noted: 1:03
